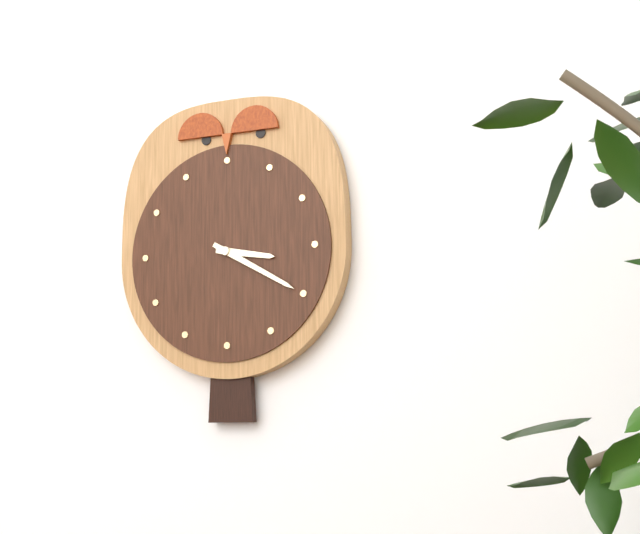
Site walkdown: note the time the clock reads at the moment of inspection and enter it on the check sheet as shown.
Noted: 3:20
